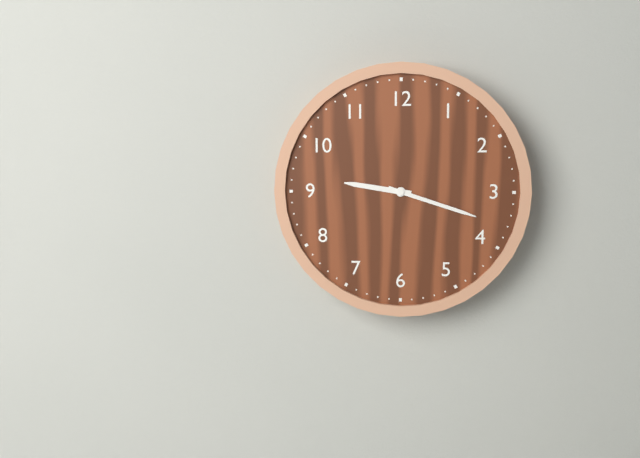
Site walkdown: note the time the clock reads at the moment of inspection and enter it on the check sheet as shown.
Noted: 9:18
